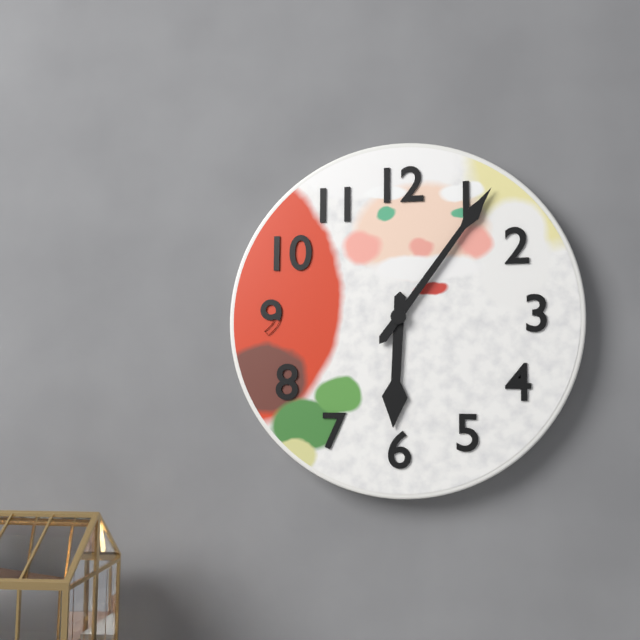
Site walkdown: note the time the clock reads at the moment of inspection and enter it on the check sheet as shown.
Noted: 6:06
